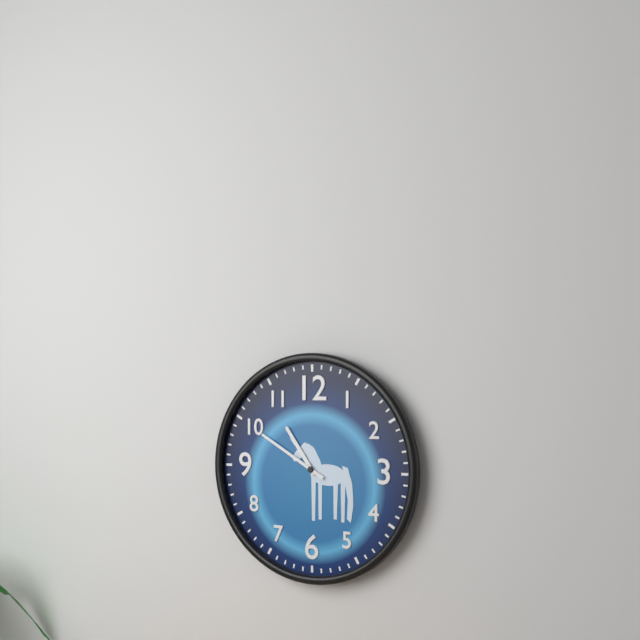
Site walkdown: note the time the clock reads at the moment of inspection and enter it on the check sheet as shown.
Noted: 10:50
